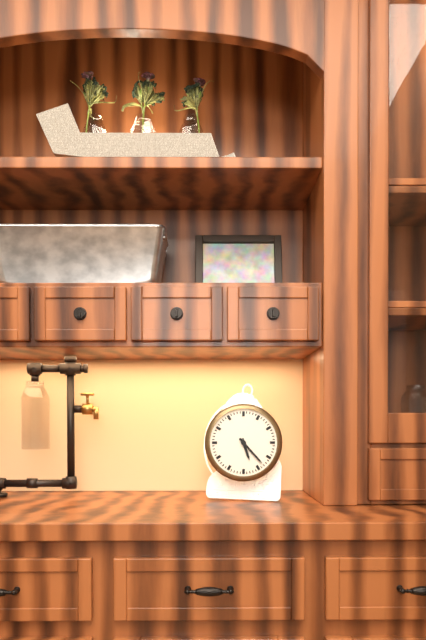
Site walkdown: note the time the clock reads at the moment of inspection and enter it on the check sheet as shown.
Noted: 5:23
